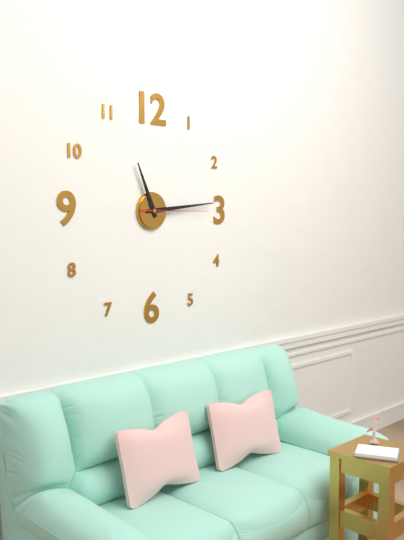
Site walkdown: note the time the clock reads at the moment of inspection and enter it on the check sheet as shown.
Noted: 11:14:15
